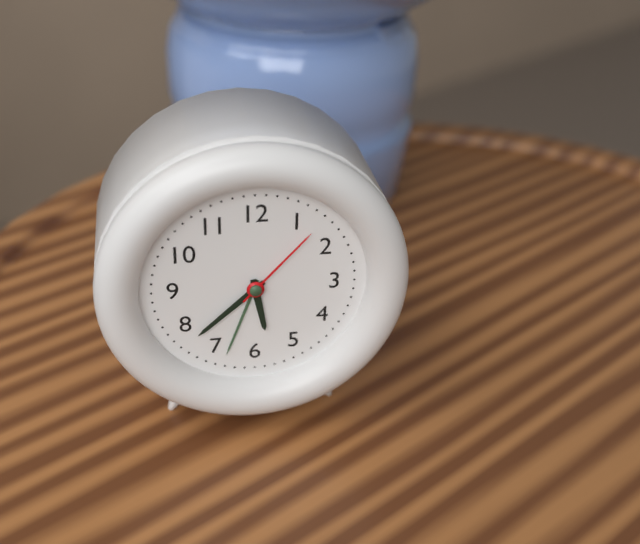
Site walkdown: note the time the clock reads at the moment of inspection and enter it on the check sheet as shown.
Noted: 5:38:07
